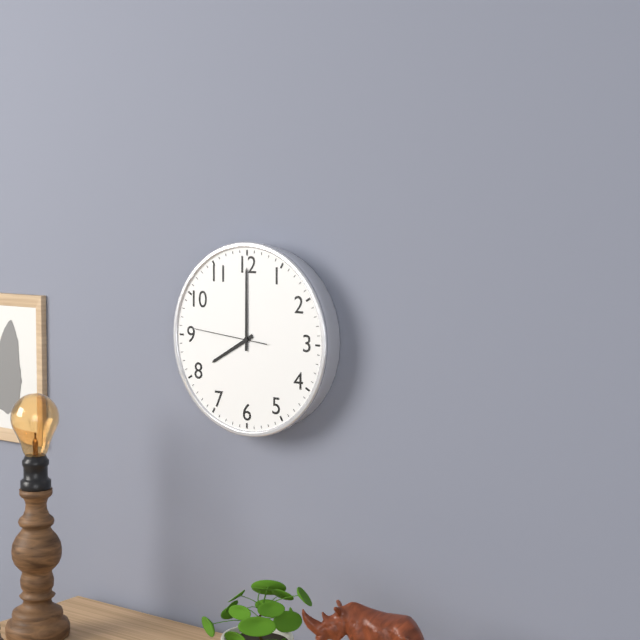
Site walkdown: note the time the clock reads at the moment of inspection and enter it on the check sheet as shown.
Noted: 8:00:46
